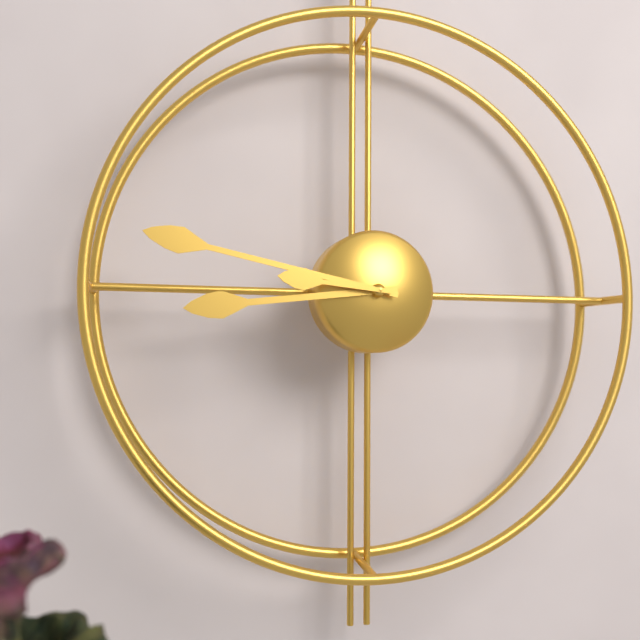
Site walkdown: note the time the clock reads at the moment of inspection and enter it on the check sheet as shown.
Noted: 8:47:46
